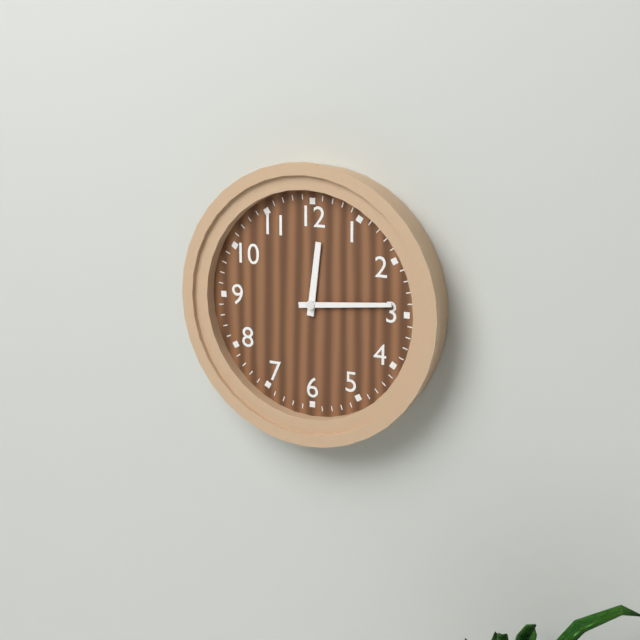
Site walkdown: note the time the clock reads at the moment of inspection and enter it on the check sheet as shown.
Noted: 12:14
